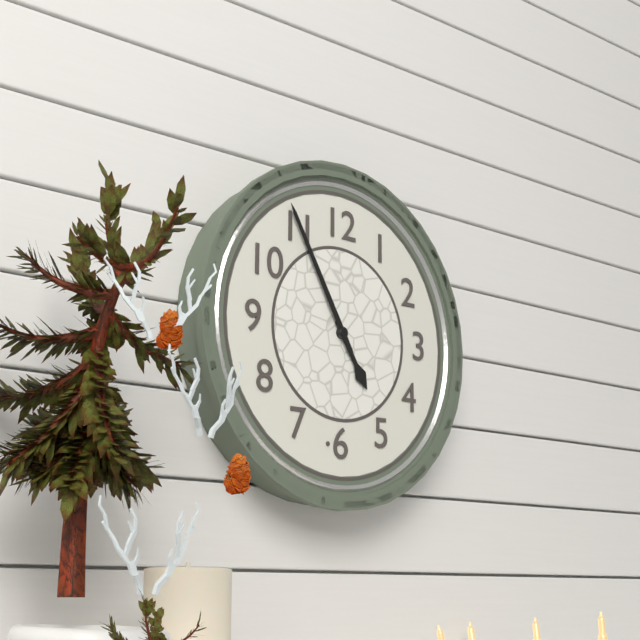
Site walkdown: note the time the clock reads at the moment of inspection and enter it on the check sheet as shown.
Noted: 4:55
